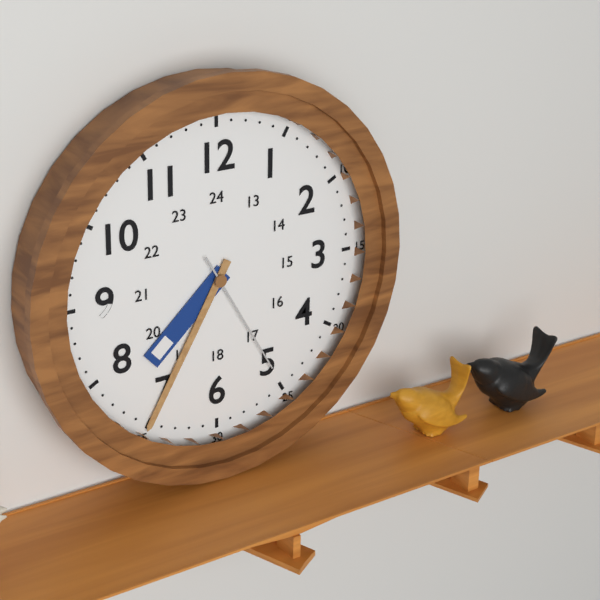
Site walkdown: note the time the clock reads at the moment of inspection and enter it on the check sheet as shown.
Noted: 7:35:25
